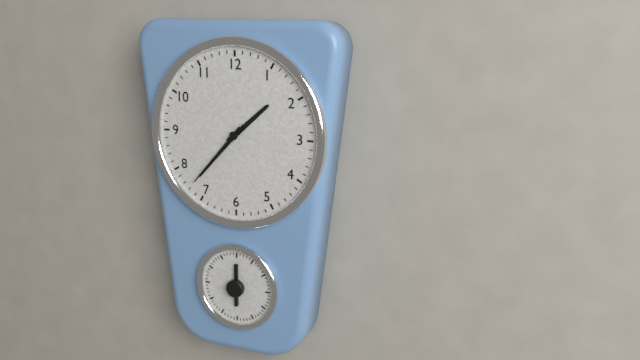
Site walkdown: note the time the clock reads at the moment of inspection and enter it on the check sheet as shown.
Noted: 1:37:37
